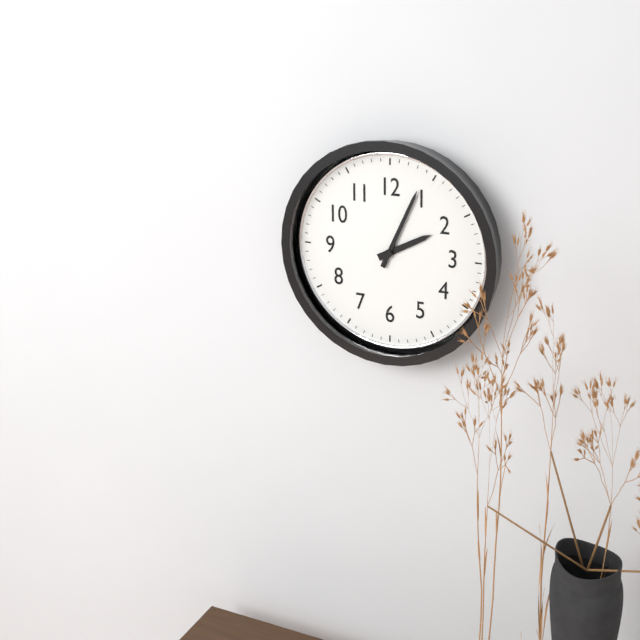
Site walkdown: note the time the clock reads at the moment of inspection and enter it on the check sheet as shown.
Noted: 2:04
